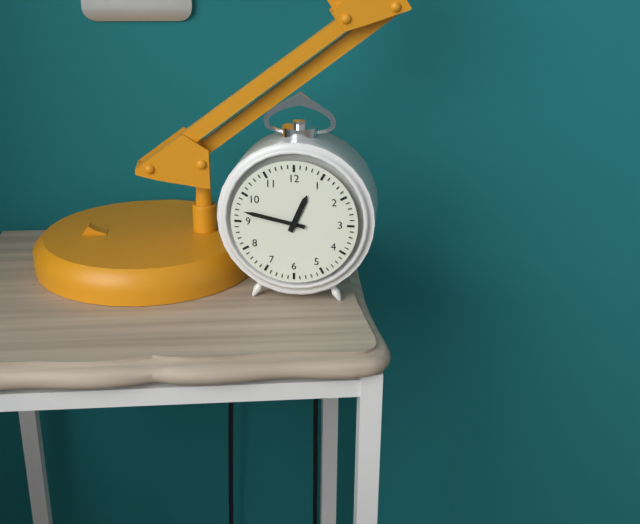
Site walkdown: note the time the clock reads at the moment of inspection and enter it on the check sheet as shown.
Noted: 12:47
